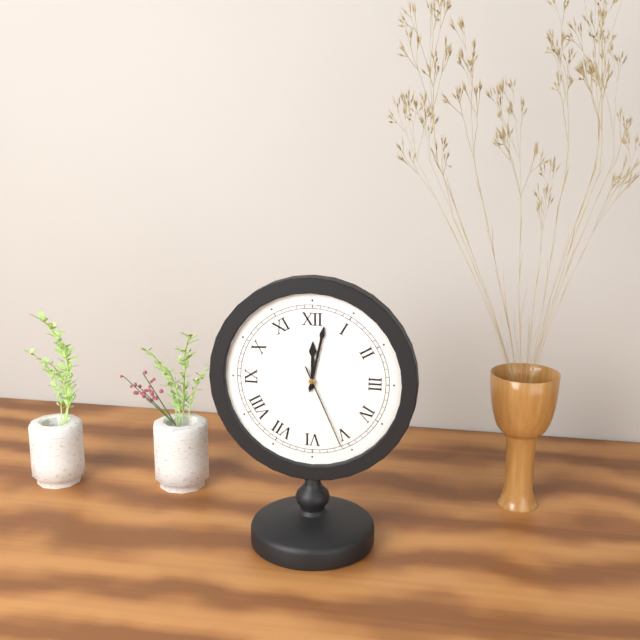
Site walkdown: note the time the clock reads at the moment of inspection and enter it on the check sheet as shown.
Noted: 12:02:26
